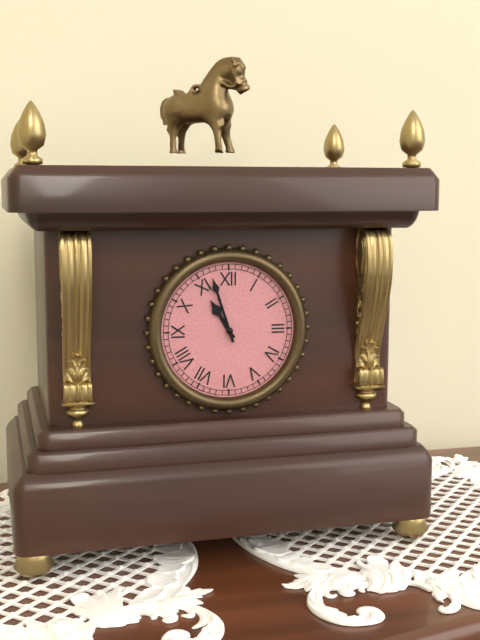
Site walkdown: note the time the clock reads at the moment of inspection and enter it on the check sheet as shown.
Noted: 10:57
